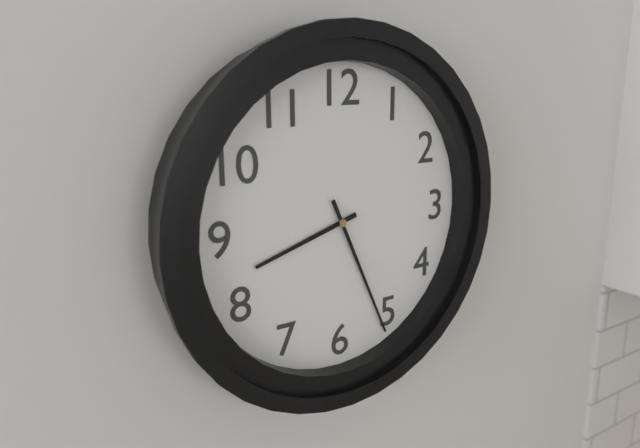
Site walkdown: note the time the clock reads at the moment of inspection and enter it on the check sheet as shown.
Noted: 8:26
